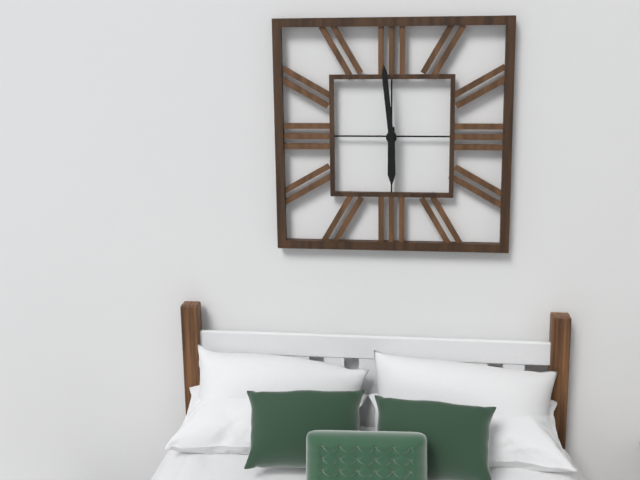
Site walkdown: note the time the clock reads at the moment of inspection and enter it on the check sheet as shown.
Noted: 5:59
